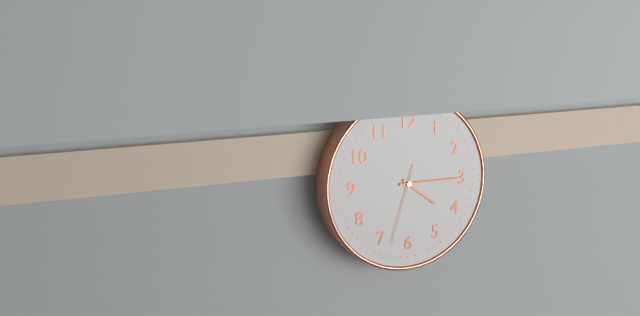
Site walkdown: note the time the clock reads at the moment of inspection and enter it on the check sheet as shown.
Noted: 4:15:33
